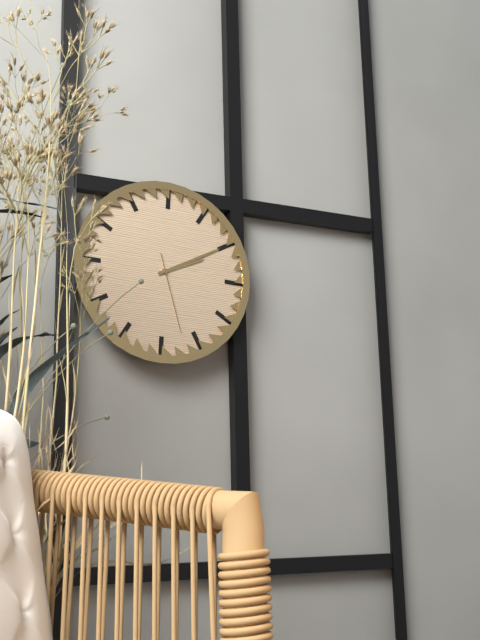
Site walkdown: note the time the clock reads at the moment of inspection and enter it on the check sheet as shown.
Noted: 2:10:27
